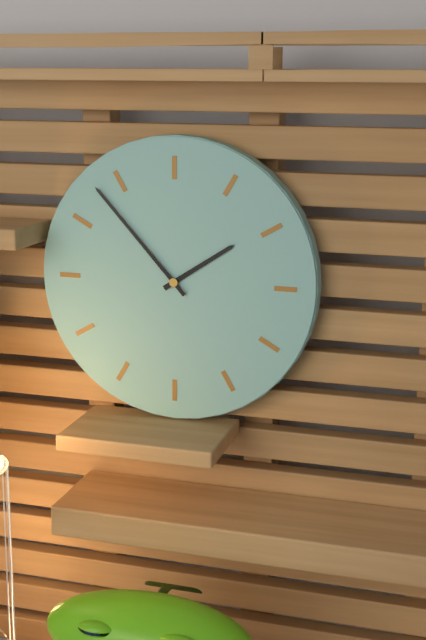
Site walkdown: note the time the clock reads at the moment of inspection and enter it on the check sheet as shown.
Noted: 1:53
